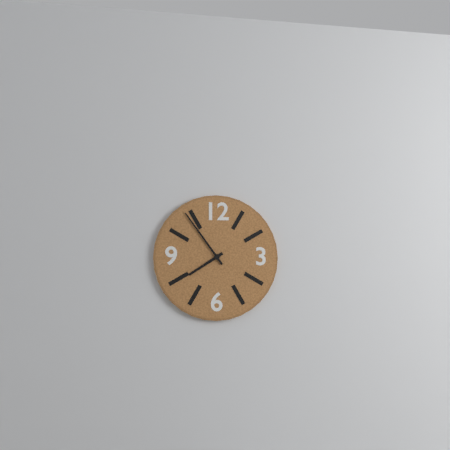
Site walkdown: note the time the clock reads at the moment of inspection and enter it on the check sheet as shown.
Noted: 7:54
